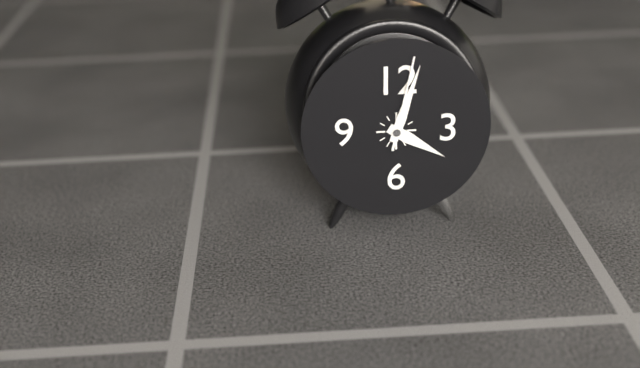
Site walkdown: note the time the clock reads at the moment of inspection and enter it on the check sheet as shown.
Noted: 4:03:02
